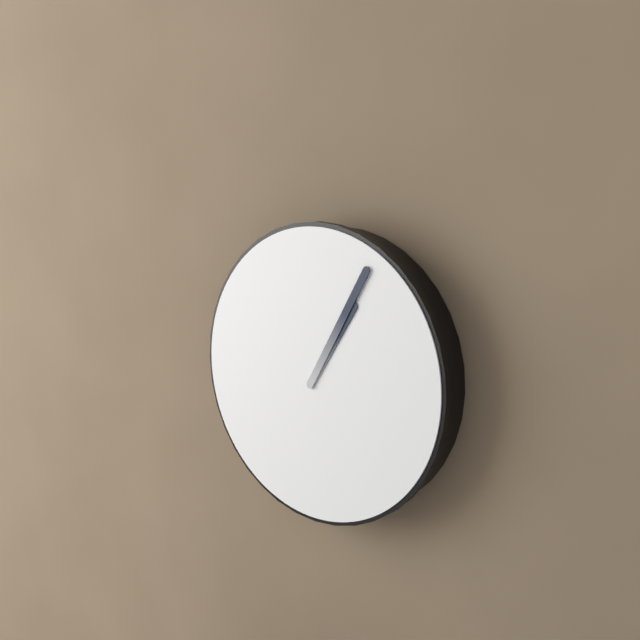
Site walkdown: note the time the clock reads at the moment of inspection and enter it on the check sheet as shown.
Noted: 1:05
